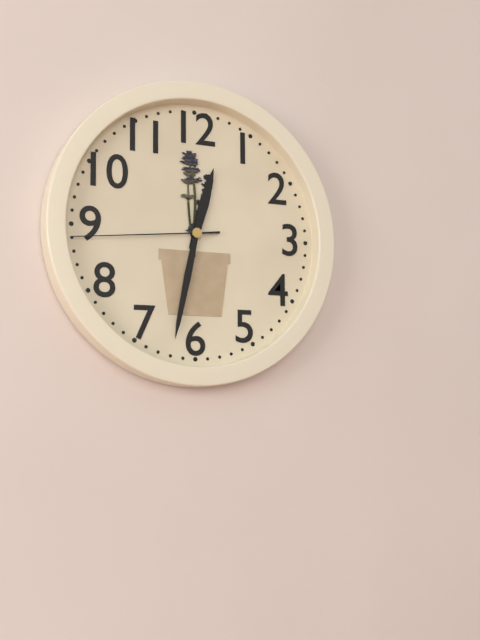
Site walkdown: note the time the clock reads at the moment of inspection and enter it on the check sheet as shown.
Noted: 12:32:44
